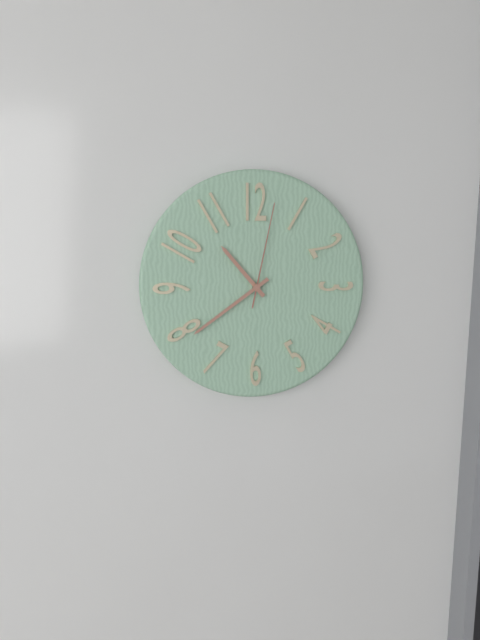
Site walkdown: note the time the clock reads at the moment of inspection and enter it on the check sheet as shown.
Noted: 10:39:02
